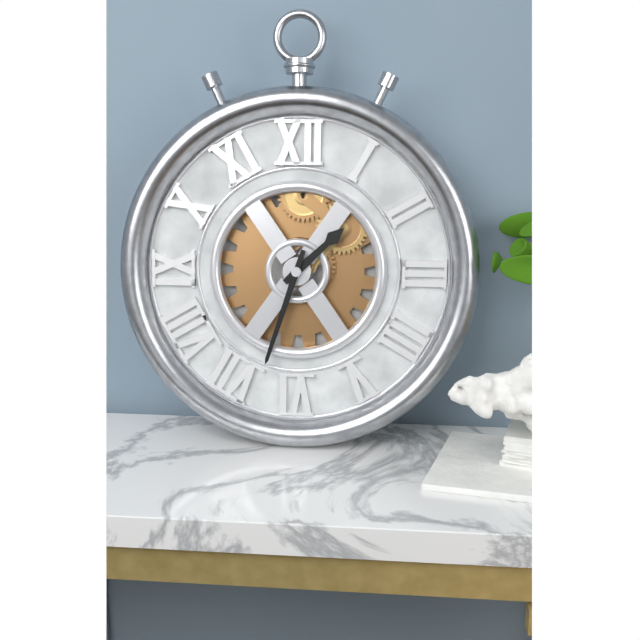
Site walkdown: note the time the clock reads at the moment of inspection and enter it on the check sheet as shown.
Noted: 1:33
